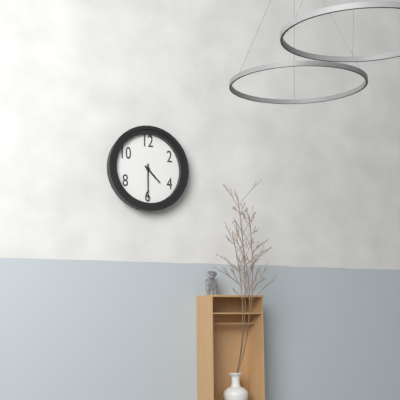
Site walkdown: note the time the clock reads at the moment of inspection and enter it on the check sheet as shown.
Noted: 4:30
